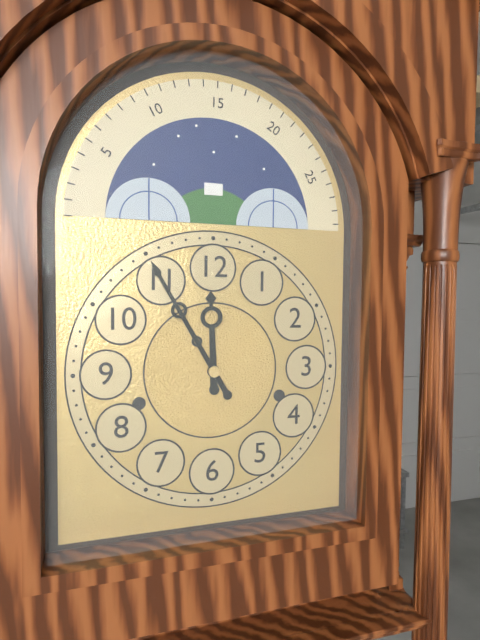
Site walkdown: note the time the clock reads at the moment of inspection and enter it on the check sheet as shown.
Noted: 11:55
